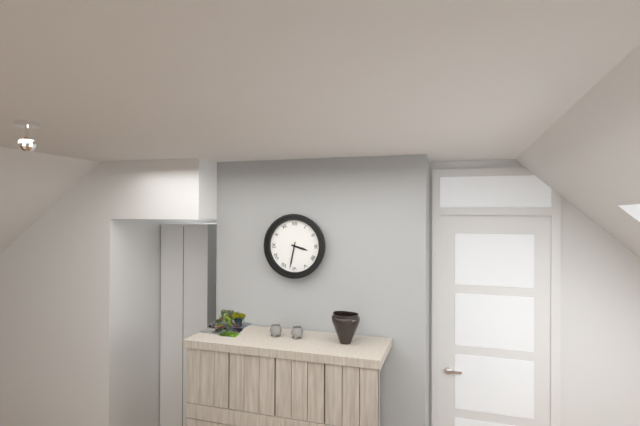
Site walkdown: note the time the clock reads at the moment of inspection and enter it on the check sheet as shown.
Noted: 3:32
